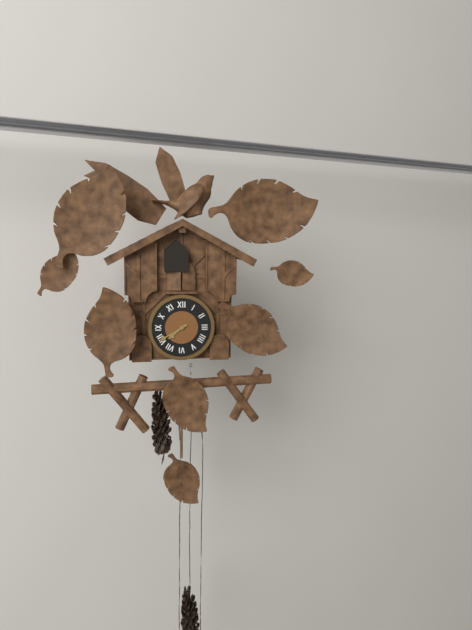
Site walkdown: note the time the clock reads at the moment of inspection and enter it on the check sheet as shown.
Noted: 7:40
